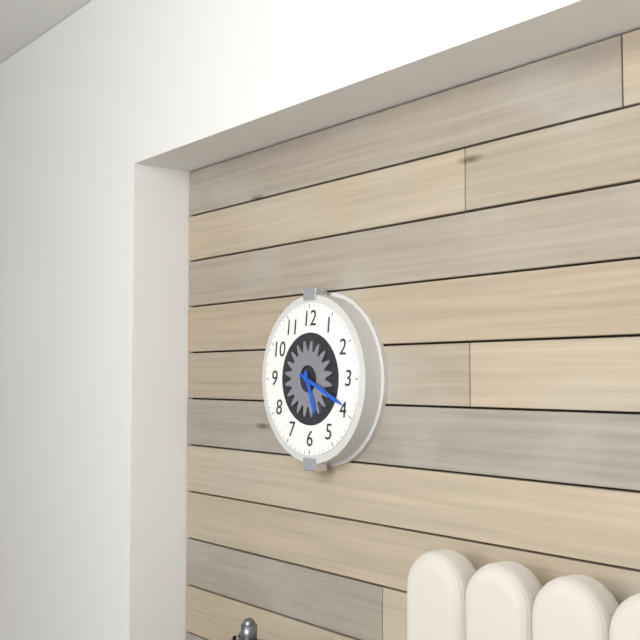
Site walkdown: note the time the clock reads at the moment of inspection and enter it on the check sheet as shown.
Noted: 5:19
